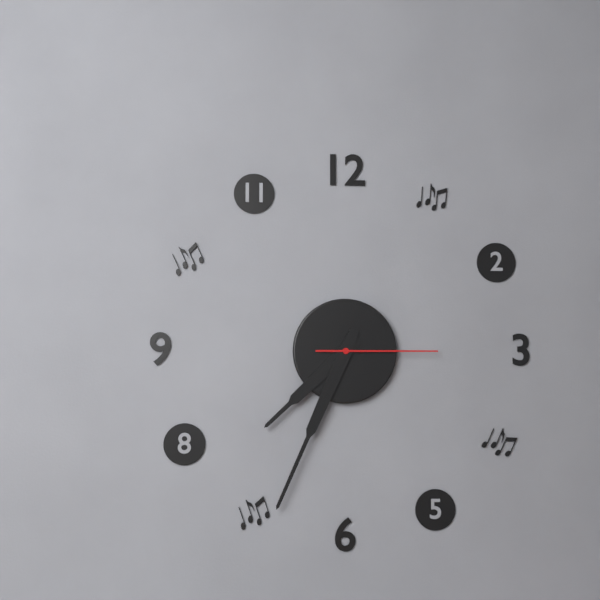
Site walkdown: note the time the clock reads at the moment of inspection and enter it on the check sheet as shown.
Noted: 7:34:15
